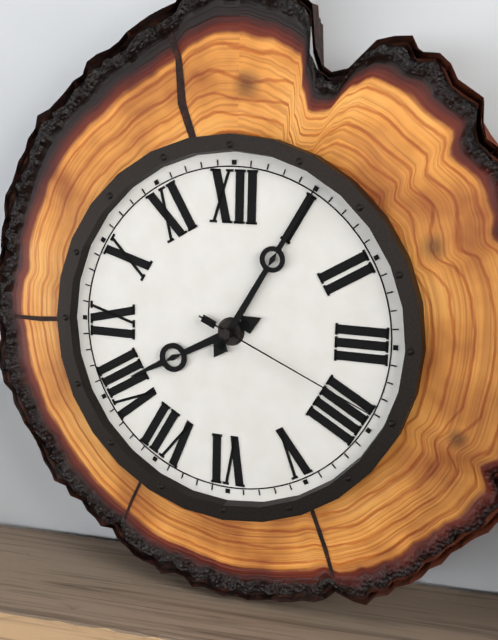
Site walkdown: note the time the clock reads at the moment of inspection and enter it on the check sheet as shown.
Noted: 8:05:19
